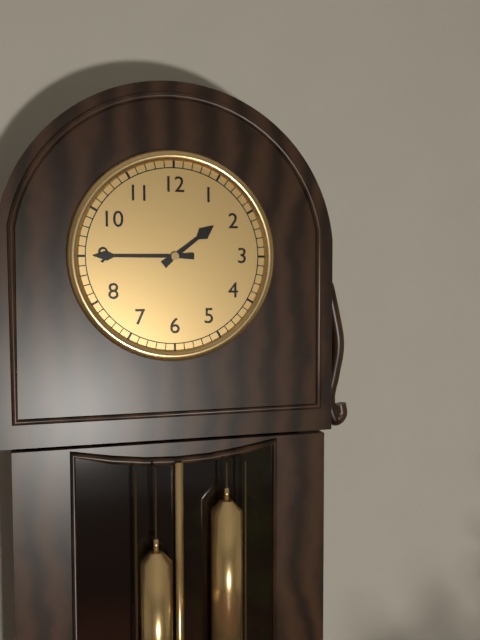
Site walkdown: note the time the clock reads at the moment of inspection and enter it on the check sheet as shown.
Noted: 1:45
